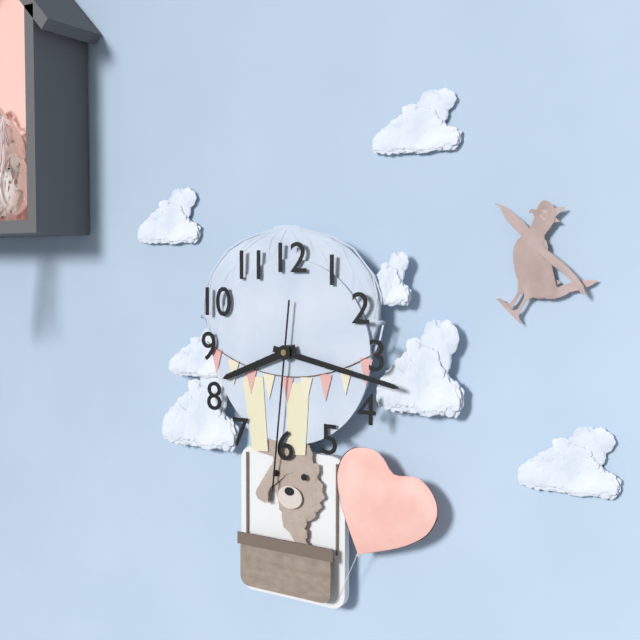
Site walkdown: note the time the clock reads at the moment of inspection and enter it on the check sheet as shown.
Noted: 8:17:31
